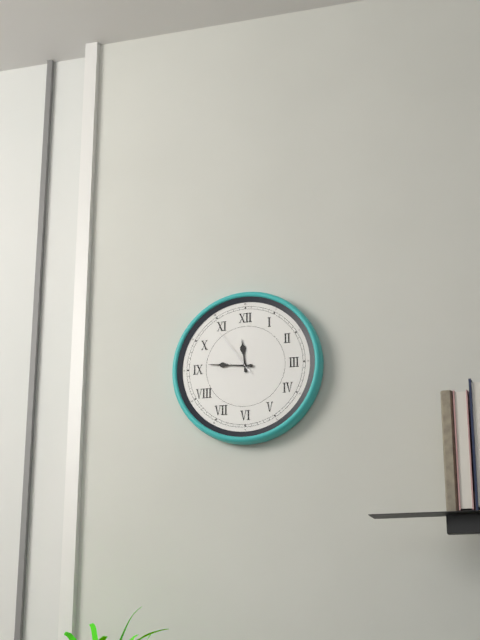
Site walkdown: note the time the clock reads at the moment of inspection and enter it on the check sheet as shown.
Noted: 11:46:54
